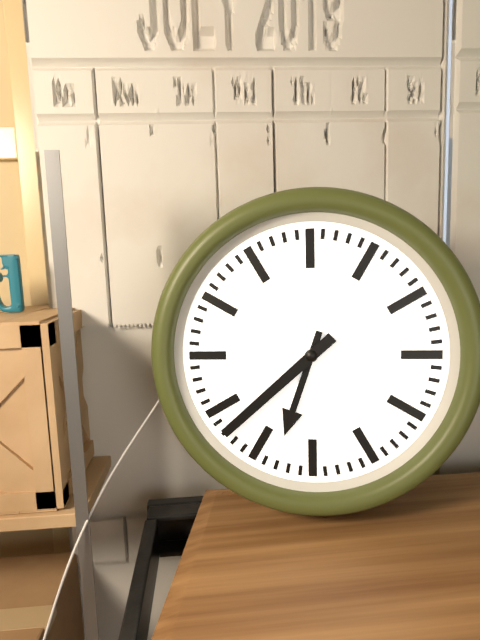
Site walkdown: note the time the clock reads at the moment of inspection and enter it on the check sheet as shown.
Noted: 6:38
